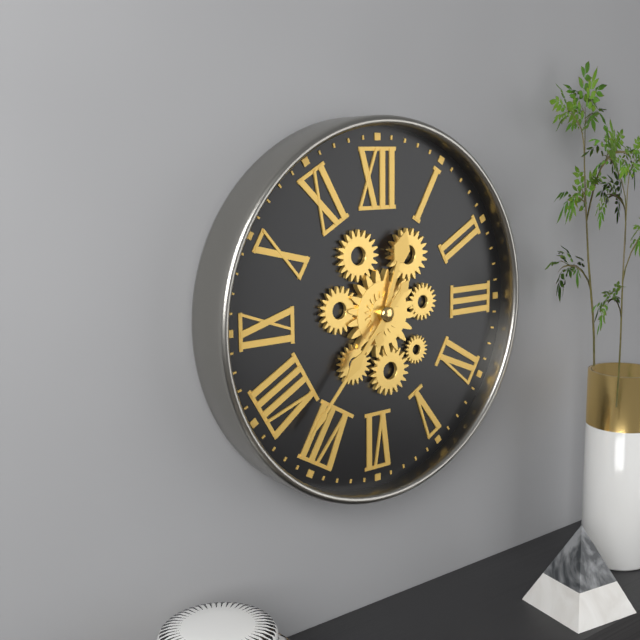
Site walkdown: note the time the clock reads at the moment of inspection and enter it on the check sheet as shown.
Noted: 12:37
